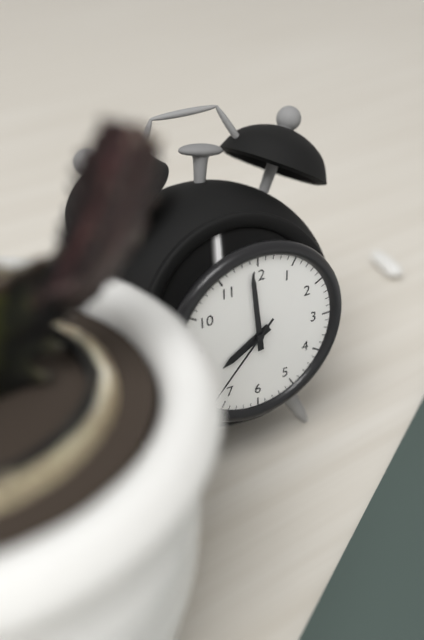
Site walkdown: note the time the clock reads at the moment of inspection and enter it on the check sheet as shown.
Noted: 7:59:37
